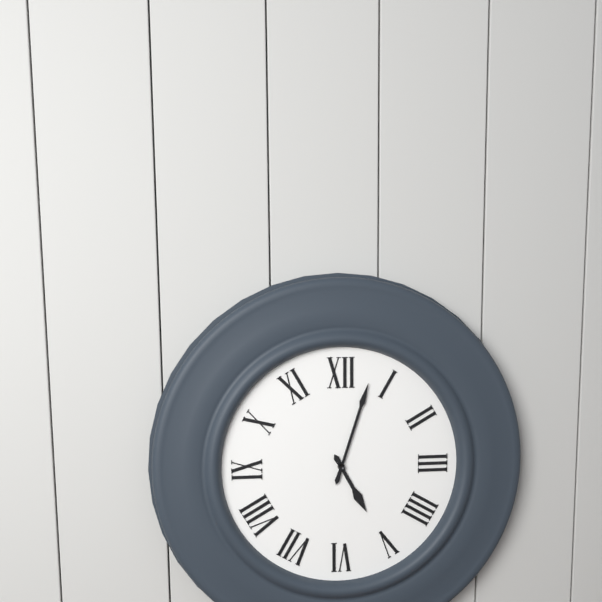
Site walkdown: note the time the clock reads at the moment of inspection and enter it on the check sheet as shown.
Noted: 5:03
